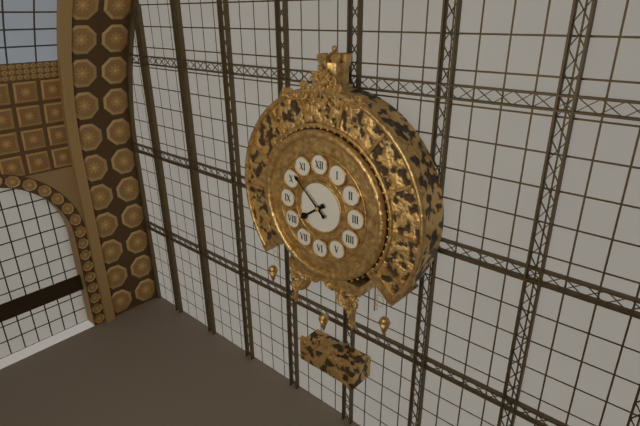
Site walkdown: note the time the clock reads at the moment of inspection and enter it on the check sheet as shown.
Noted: 7:52
